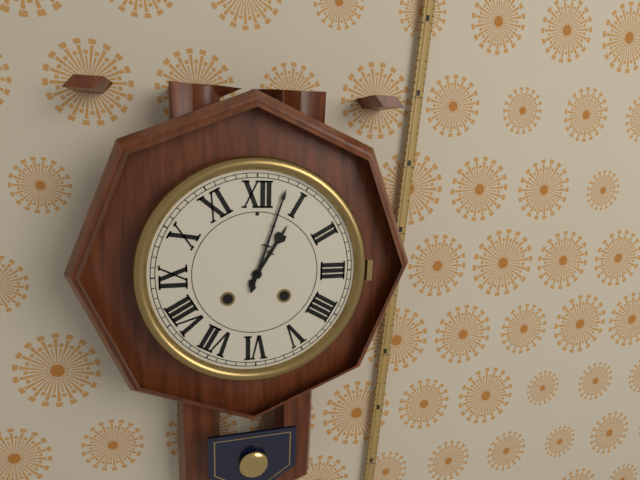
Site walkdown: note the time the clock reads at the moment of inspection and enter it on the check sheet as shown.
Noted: 1:03
